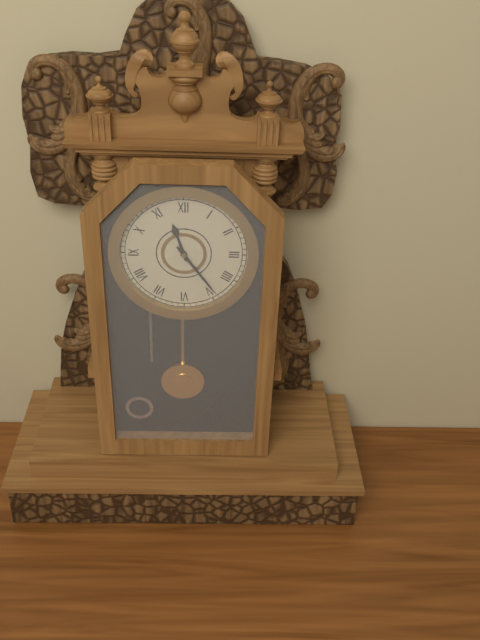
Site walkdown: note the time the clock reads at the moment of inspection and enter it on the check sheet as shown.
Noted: 11:24
